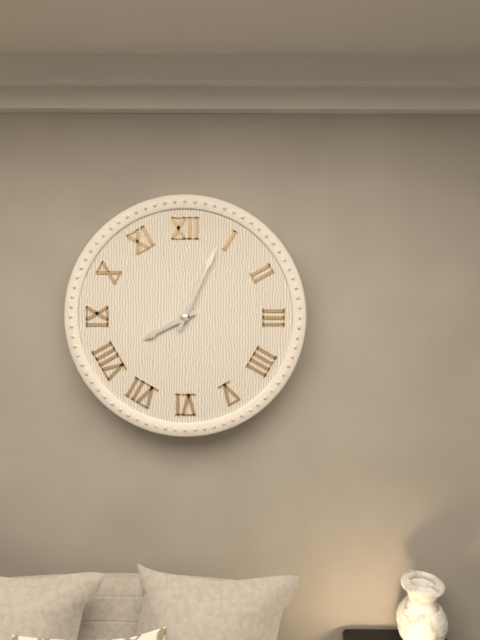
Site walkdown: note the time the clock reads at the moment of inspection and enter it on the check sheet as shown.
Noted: 8:04
